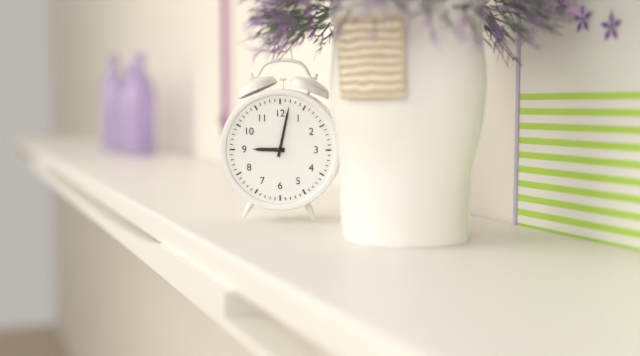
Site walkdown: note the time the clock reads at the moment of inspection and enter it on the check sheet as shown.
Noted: 9:02
